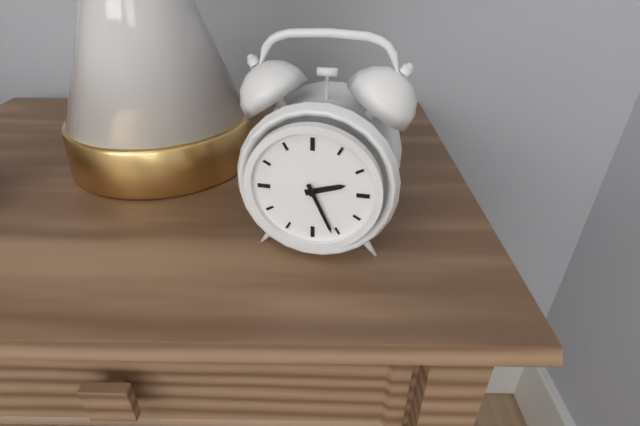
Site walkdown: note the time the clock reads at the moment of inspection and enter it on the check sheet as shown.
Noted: 2:26
